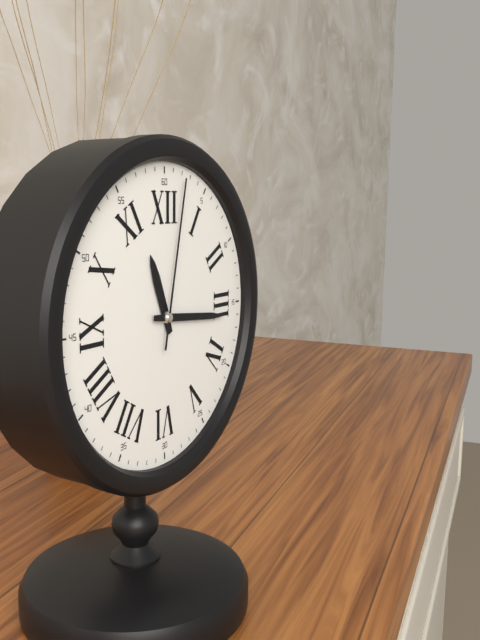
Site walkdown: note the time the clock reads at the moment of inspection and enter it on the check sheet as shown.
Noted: 11:16:02
